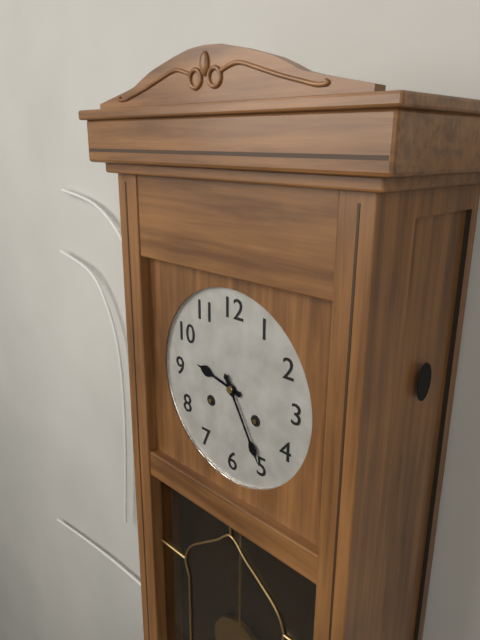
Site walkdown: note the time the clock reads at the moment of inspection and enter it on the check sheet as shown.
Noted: 9:25
